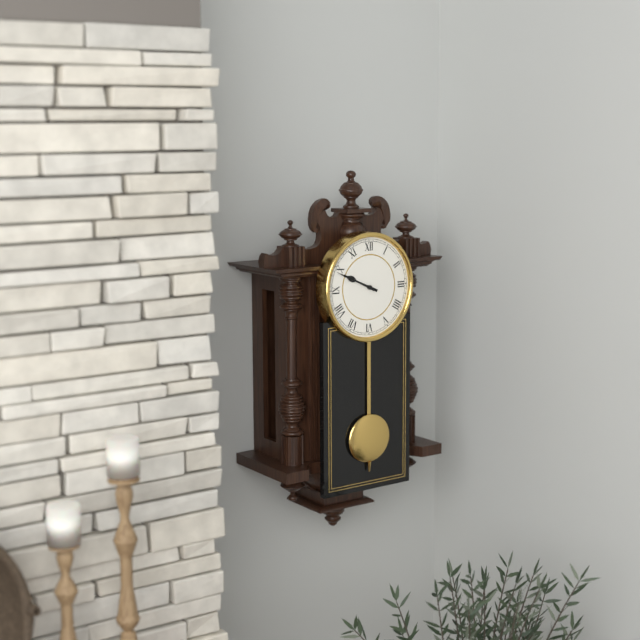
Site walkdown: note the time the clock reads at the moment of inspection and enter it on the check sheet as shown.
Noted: 9:49
